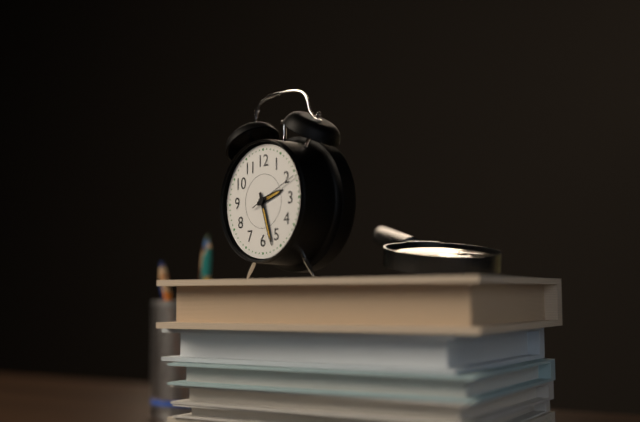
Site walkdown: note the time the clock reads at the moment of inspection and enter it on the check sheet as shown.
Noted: 2:27
